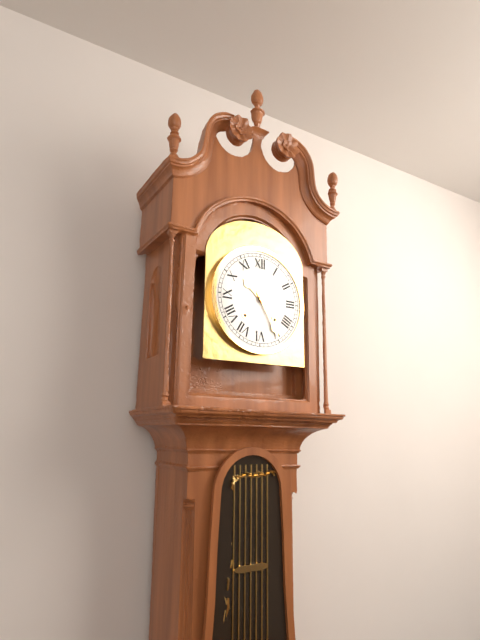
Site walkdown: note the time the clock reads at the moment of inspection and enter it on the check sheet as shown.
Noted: 10:25
